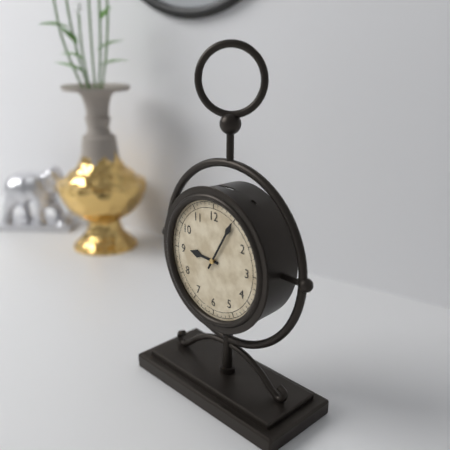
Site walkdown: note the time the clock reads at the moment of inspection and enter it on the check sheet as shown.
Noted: 9:05
